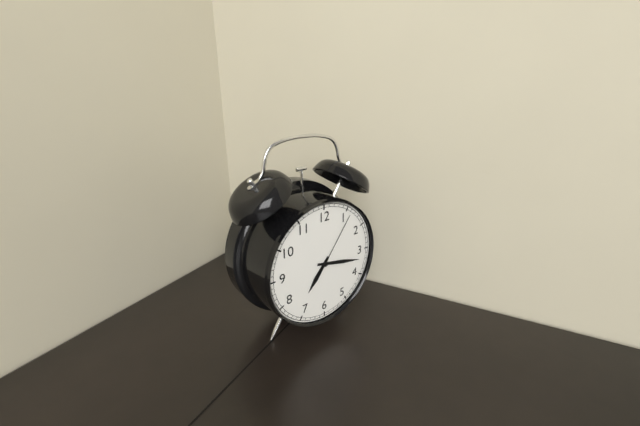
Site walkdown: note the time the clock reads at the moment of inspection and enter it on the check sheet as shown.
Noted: 7:17:06
